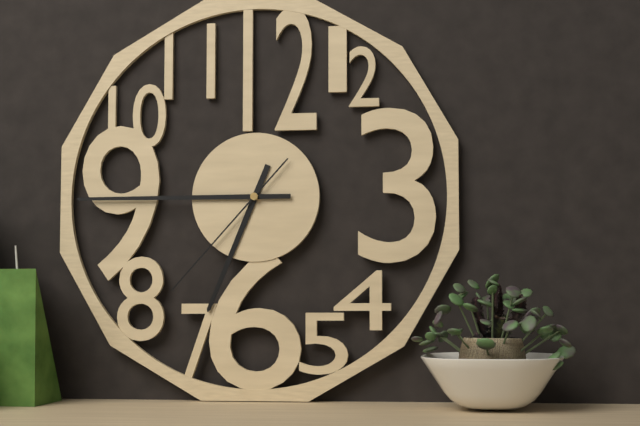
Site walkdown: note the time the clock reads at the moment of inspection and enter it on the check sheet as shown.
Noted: 6:45:37
